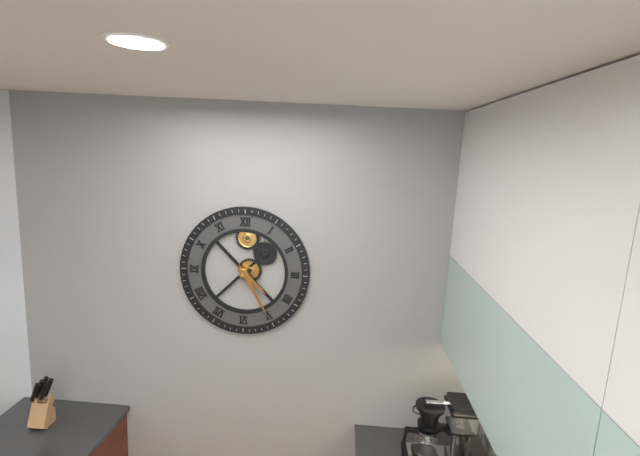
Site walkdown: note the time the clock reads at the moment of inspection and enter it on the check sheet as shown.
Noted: 4:25
